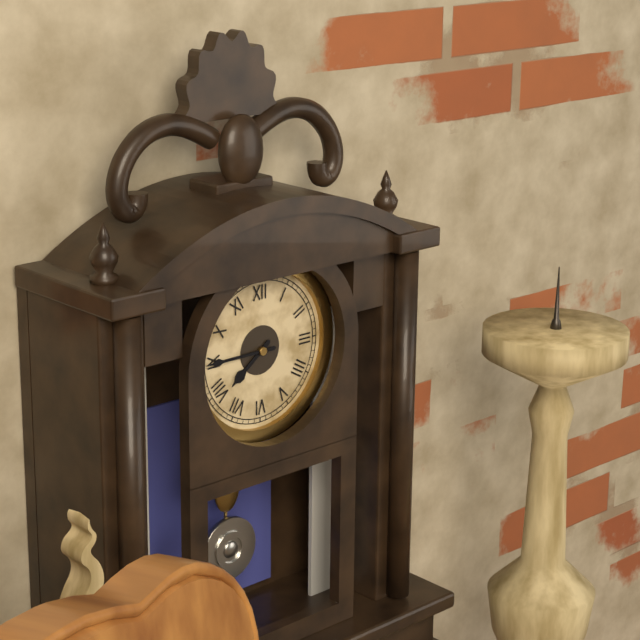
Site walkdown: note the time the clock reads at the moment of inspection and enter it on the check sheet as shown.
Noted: 7:45
